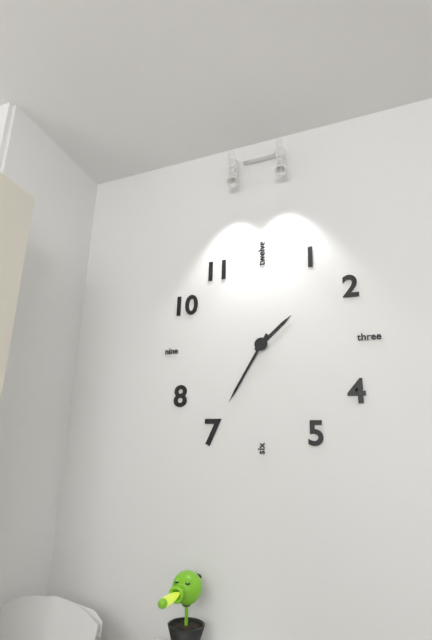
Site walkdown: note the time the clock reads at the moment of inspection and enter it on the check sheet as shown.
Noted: 1:35
